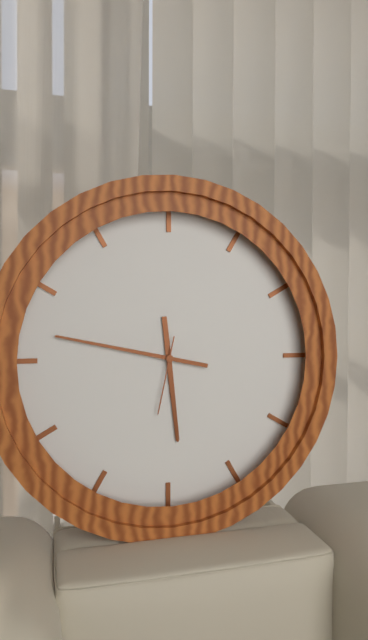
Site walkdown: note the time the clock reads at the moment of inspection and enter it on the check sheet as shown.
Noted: 5:47:32
